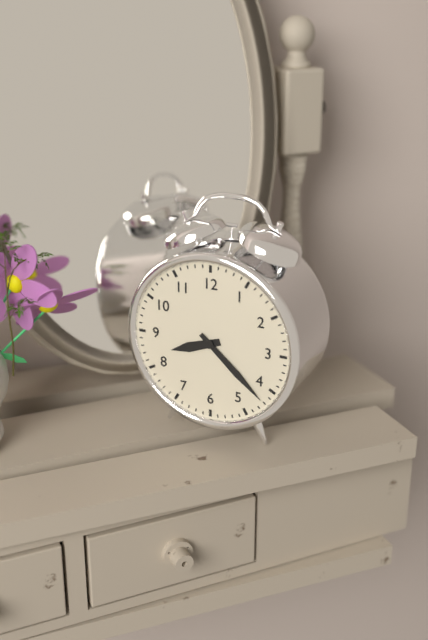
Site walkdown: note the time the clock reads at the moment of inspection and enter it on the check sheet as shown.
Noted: 8:22
